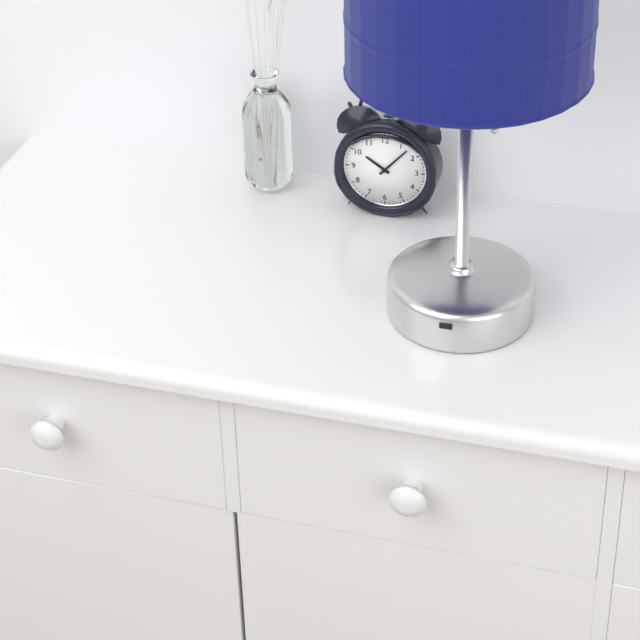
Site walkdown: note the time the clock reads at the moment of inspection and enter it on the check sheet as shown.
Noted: 10:07
